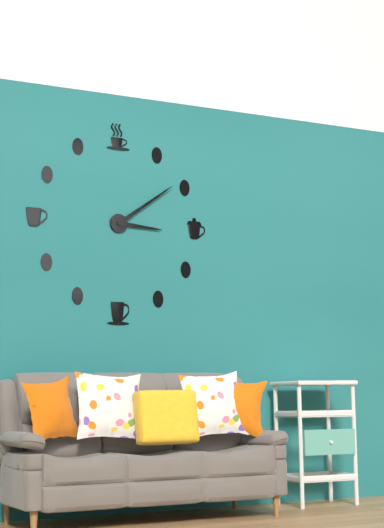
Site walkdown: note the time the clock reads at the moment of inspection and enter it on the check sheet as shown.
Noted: 3:09
